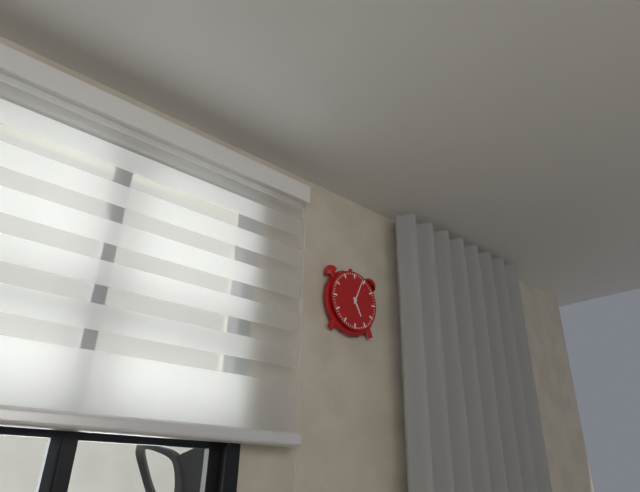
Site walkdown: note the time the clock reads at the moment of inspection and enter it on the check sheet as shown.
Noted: 5:04
